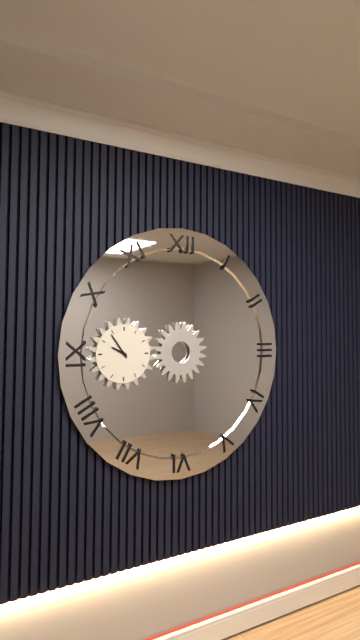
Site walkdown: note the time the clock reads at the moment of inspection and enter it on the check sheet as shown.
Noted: 9:54
